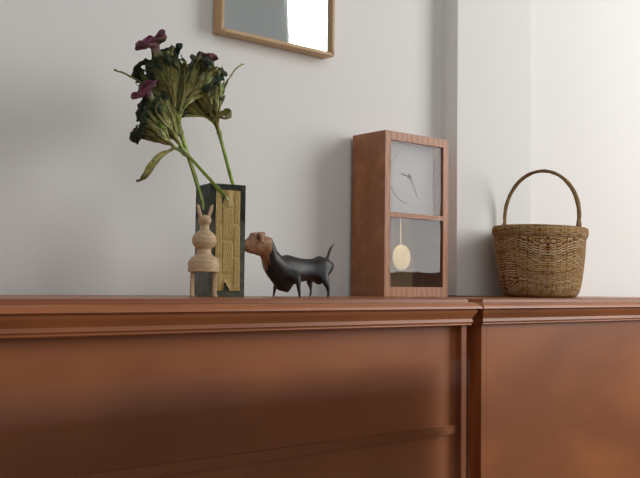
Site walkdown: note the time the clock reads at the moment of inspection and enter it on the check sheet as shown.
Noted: 9:25
